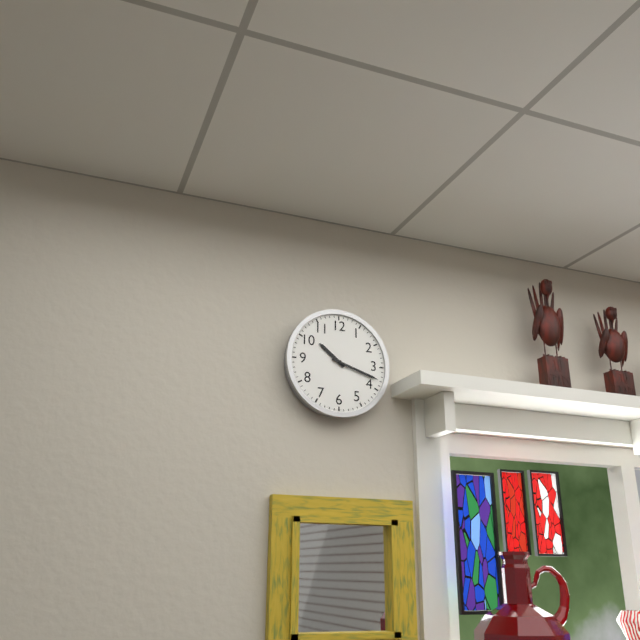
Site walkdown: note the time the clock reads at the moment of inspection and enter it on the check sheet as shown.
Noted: 10:18
